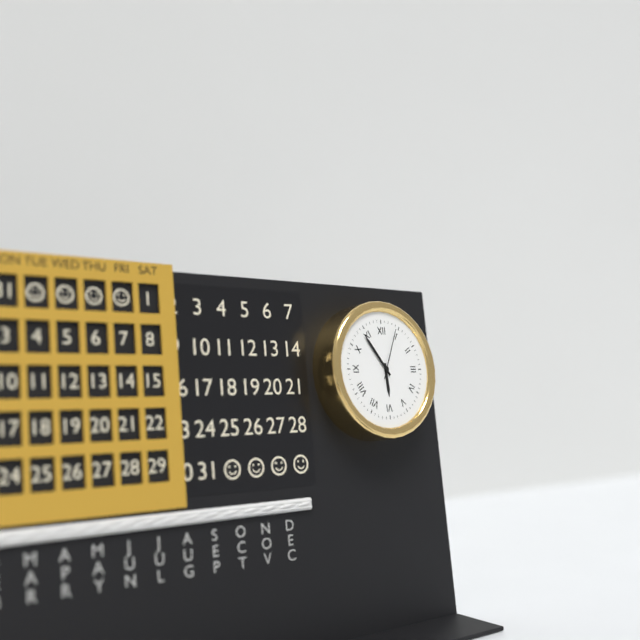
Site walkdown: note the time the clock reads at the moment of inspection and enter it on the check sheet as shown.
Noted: 5:54:04
